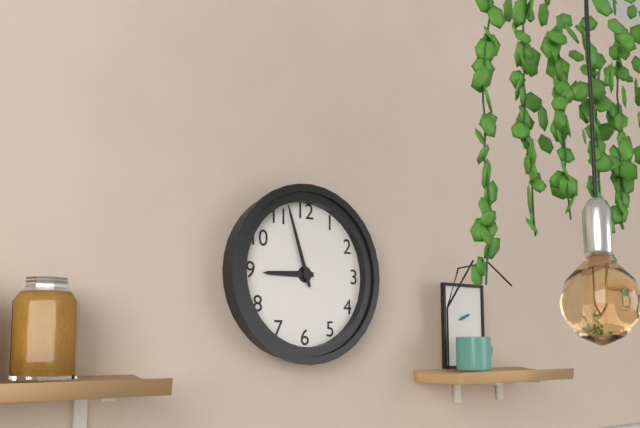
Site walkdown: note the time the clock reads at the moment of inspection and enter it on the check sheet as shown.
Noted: 8:57
